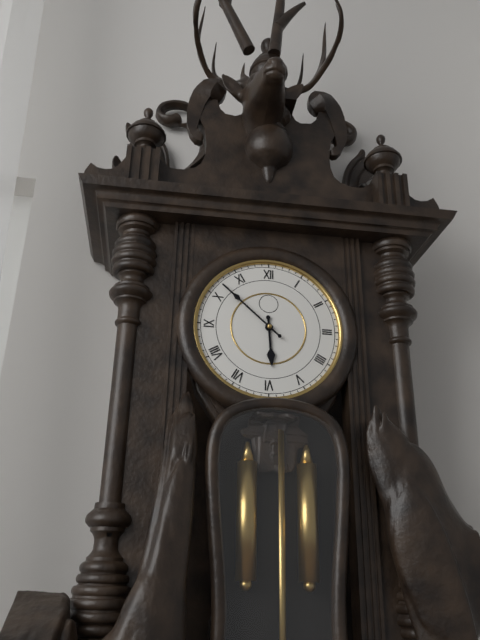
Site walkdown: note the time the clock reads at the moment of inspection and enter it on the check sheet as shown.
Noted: 5:52
